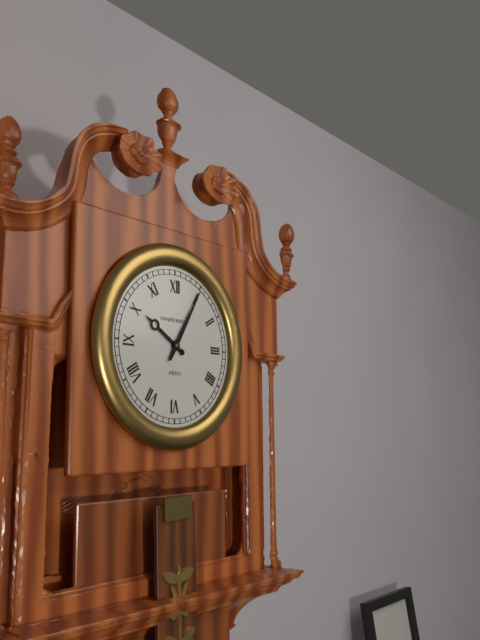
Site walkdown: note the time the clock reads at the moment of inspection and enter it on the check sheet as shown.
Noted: 10:05
